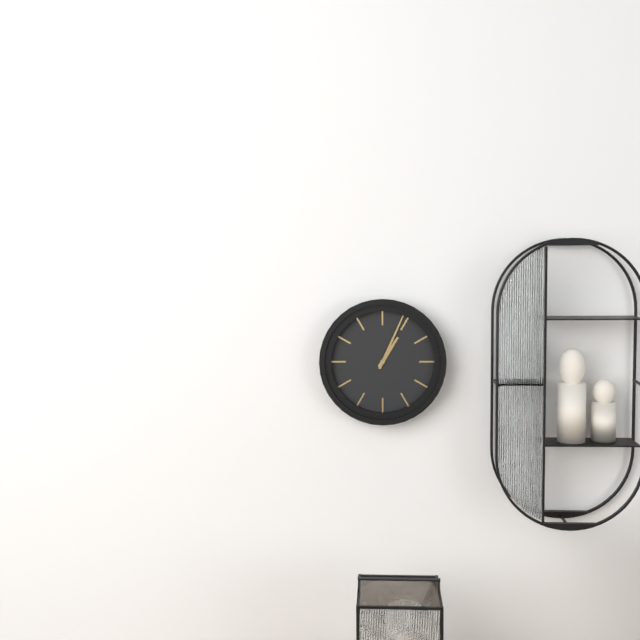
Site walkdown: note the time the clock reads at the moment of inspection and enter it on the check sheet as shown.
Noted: 1:04
